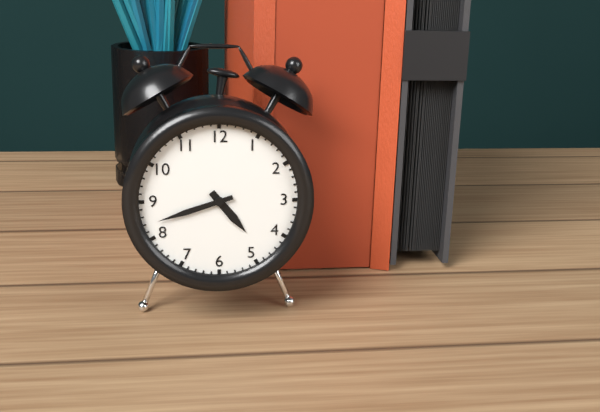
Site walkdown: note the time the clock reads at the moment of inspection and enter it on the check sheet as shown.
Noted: 4:42
